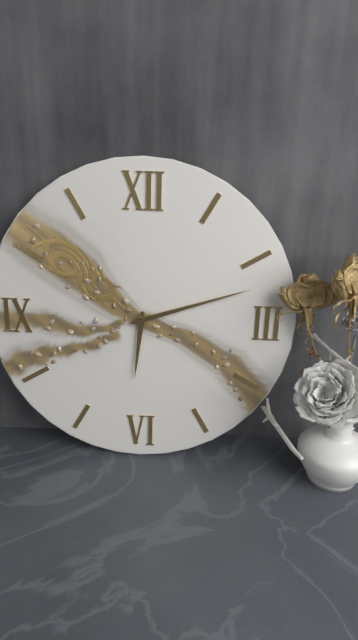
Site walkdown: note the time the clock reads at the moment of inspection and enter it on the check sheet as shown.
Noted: 6:12
